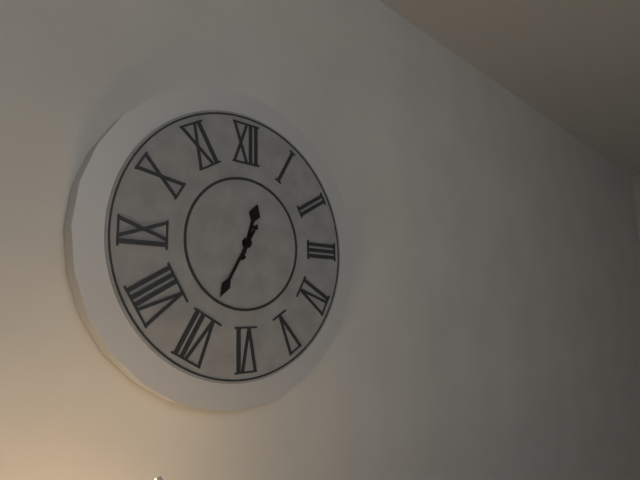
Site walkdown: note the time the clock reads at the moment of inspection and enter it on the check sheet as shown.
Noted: 12:35
